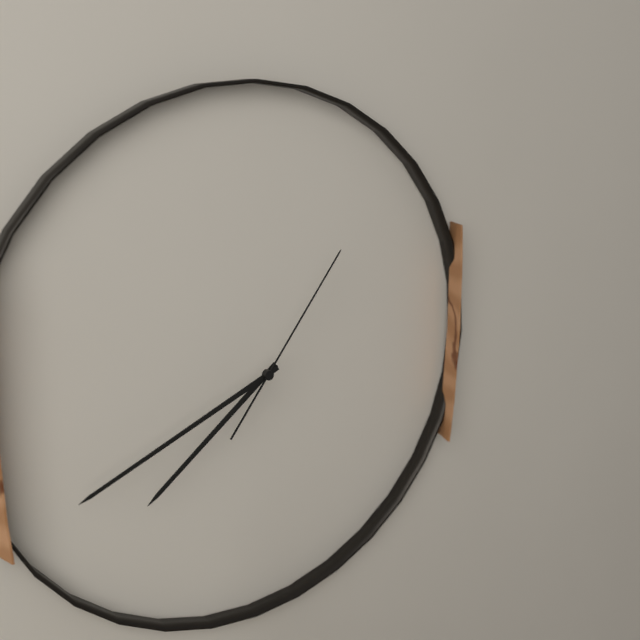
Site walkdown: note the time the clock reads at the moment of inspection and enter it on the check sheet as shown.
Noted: 7:41:06
